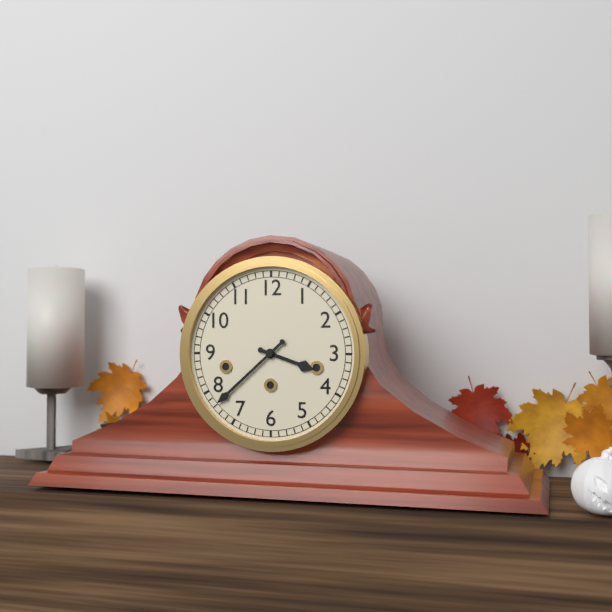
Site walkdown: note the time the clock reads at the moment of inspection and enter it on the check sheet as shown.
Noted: 3:38
